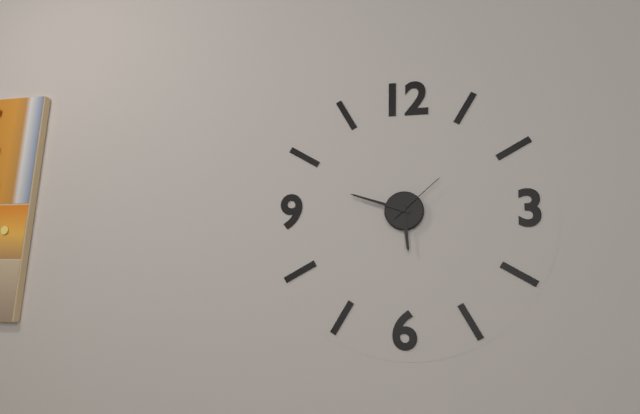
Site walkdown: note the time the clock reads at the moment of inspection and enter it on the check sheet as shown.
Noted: 5:48:08
